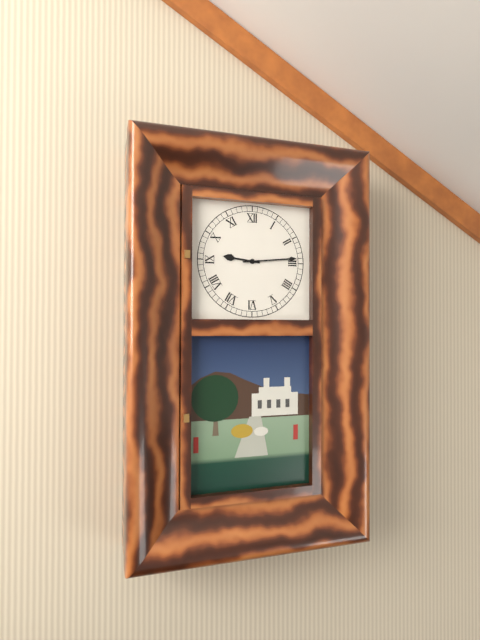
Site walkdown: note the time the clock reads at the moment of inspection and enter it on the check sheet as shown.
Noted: 9:14
